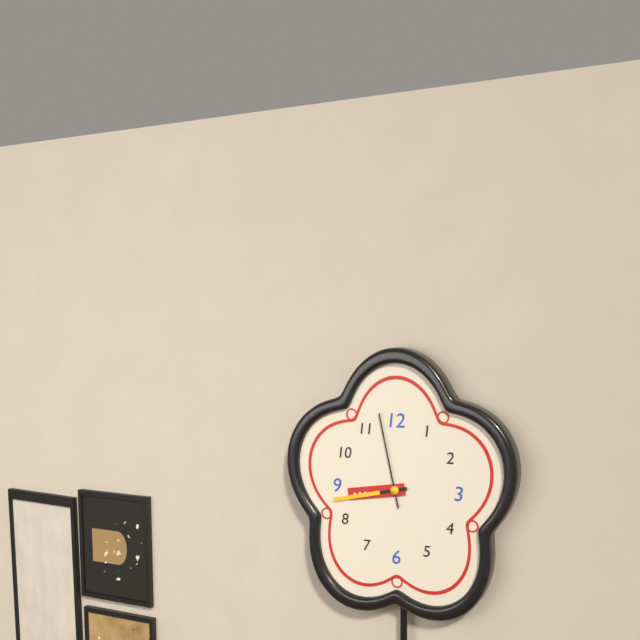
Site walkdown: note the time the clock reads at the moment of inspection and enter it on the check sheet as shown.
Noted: 8:43:58
